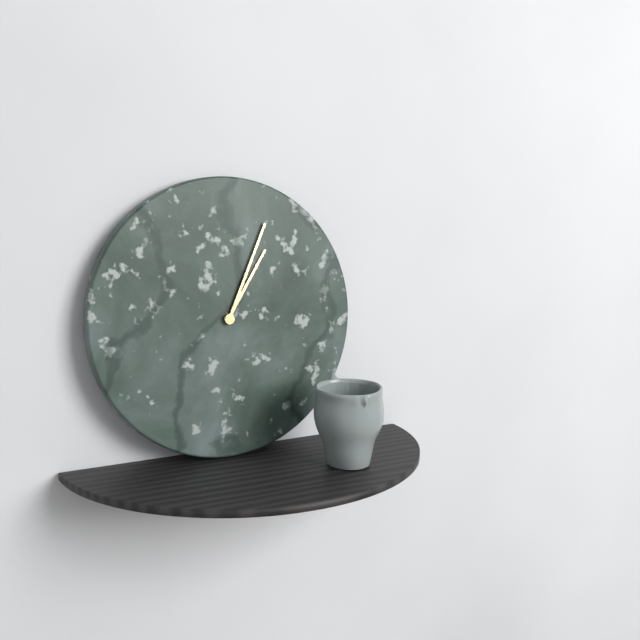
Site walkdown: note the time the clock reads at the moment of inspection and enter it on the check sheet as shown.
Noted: 1:04
